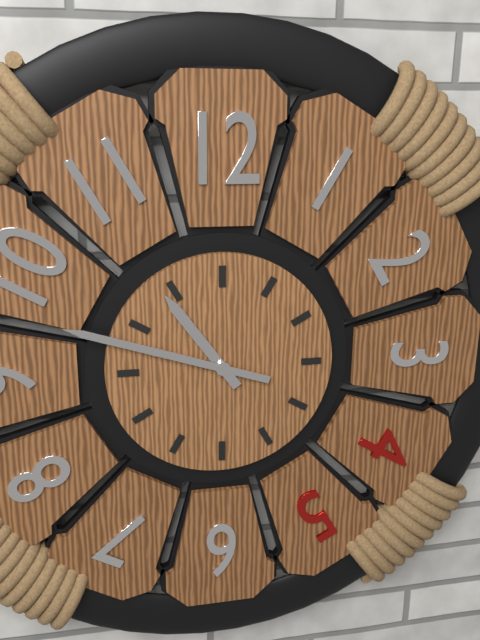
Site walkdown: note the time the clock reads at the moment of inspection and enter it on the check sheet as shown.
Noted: 10:48
